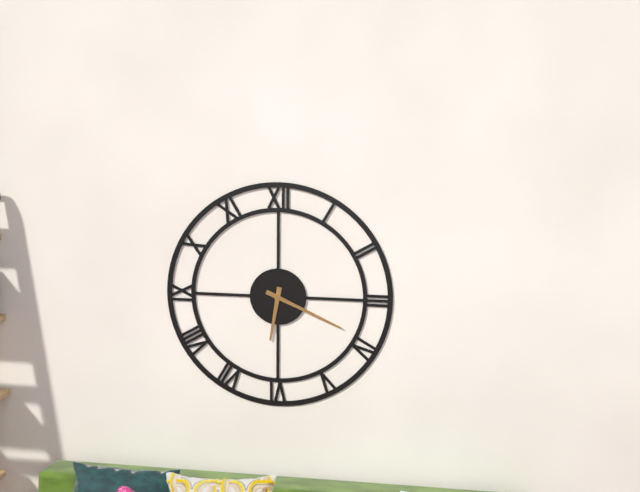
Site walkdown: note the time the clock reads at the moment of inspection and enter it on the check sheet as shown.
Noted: 6:19
